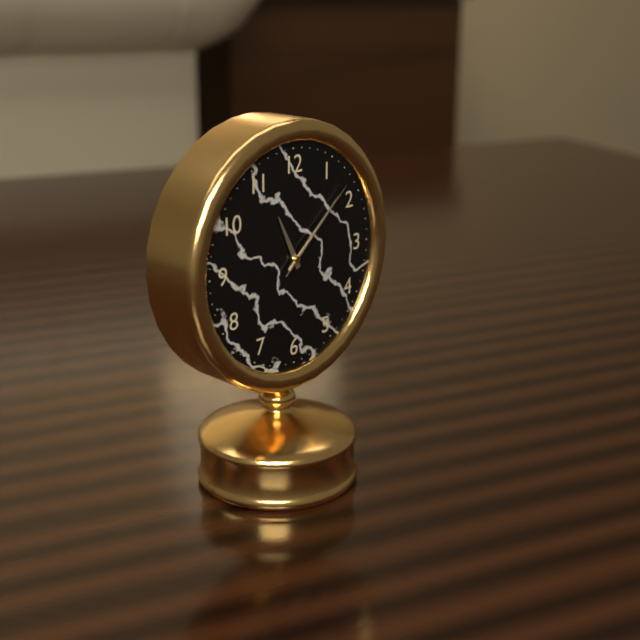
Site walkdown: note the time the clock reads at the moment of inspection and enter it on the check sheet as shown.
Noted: 11:08:08
